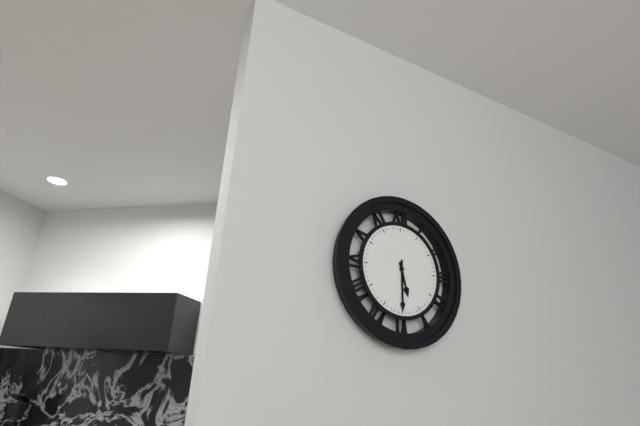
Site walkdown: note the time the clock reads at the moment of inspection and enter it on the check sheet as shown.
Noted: 5:30
